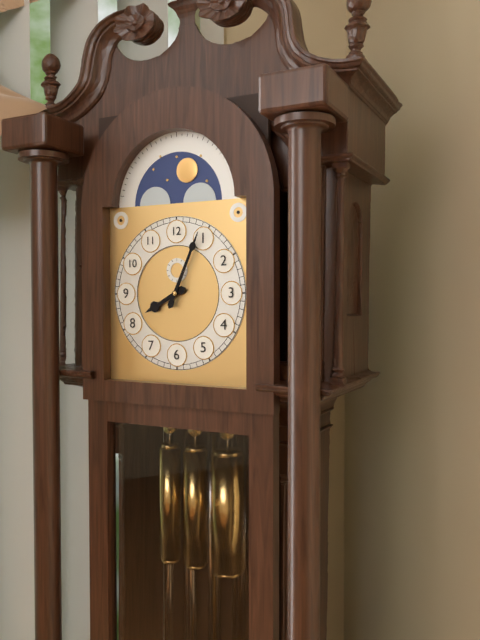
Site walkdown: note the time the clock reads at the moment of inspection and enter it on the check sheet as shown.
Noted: 8:04
